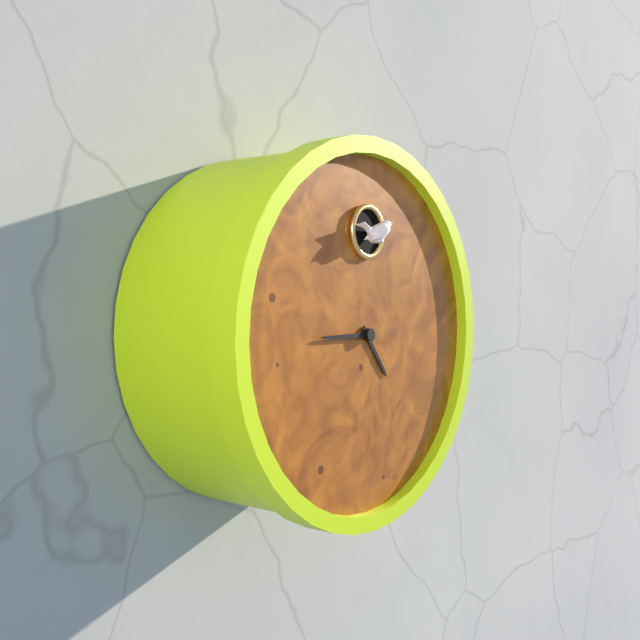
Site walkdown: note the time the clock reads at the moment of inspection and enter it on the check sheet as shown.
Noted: 4:45
